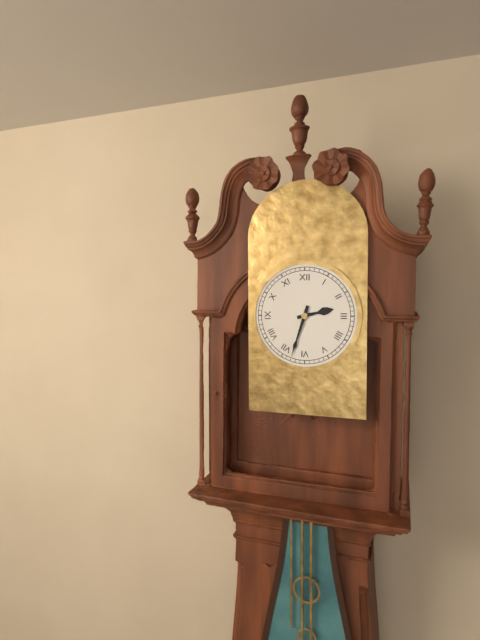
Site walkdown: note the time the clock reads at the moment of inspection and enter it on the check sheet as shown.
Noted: 2:33
